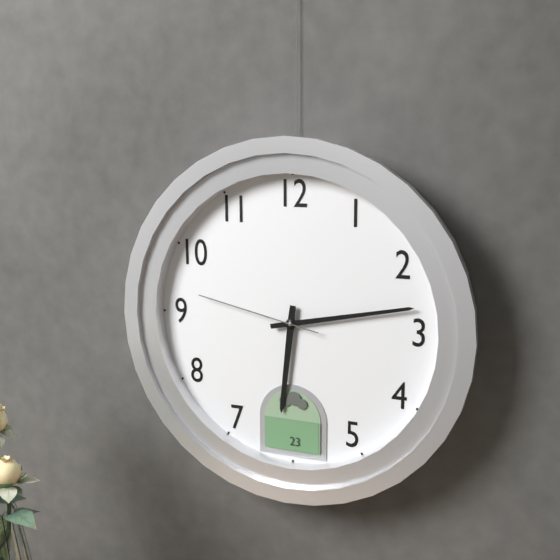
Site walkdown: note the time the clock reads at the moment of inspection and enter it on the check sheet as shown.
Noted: 6:13:47
